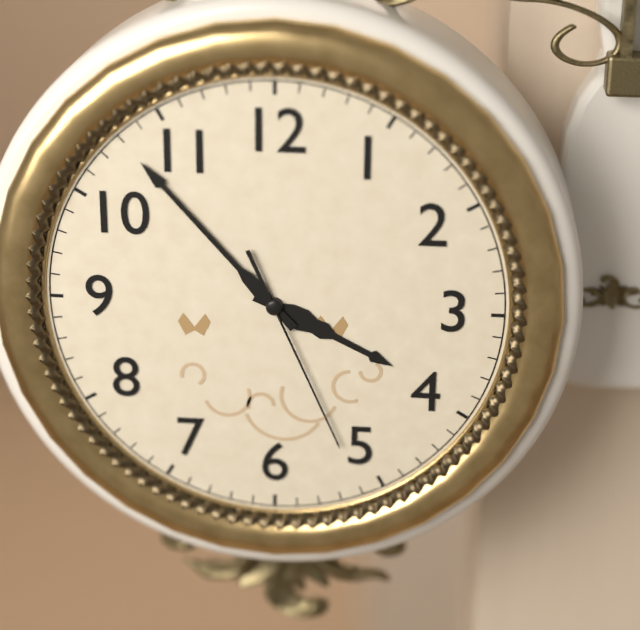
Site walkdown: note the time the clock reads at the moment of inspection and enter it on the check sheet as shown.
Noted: 3:53:26
